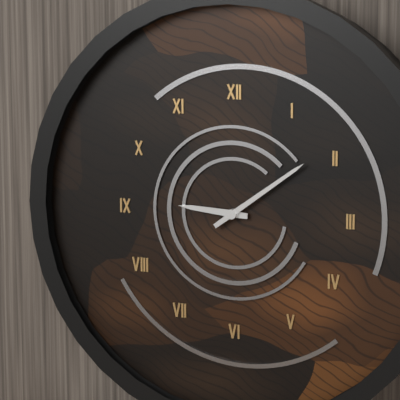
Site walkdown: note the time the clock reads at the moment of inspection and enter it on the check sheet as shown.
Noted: 9:09
